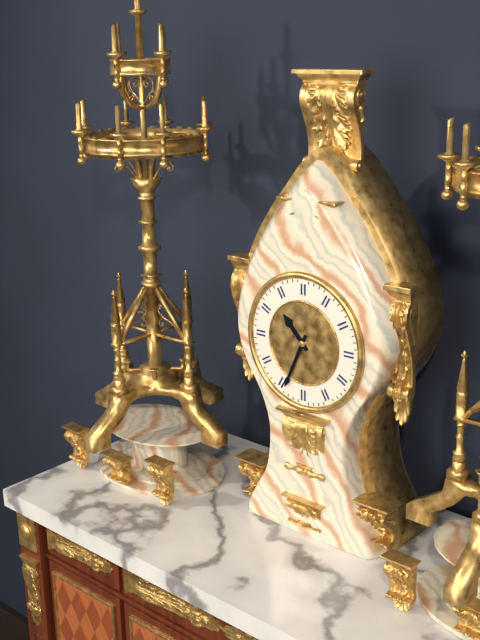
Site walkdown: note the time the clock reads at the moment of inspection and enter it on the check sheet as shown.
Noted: 10:34
